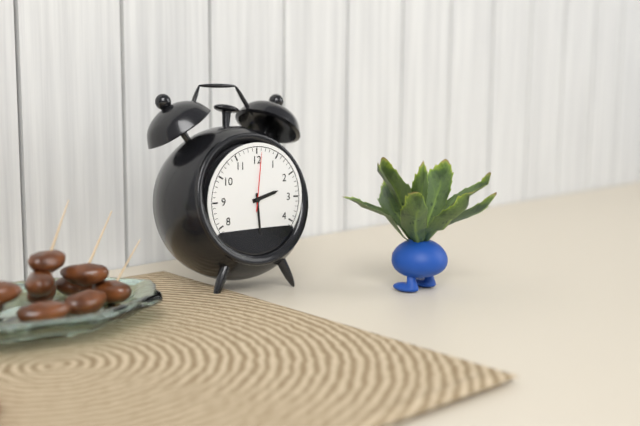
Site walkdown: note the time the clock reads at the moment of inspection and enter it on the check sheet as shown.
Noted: 2:29:01
